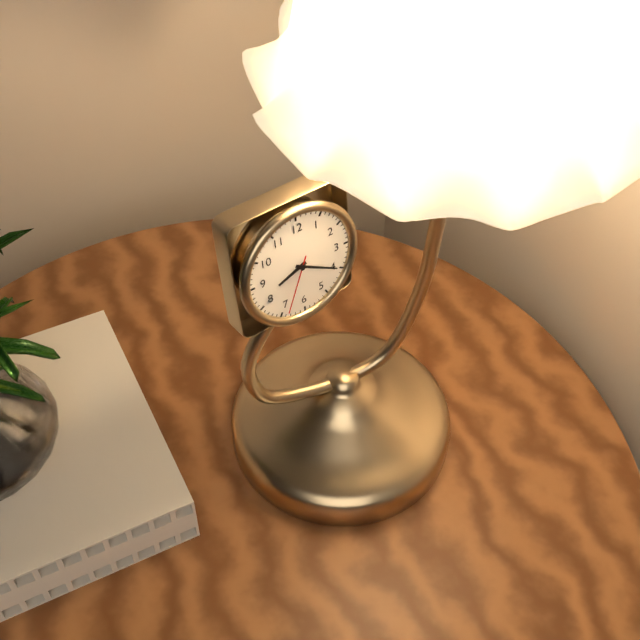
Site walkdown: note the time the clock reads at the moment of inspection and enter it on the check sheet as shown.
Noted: 8:20:34
